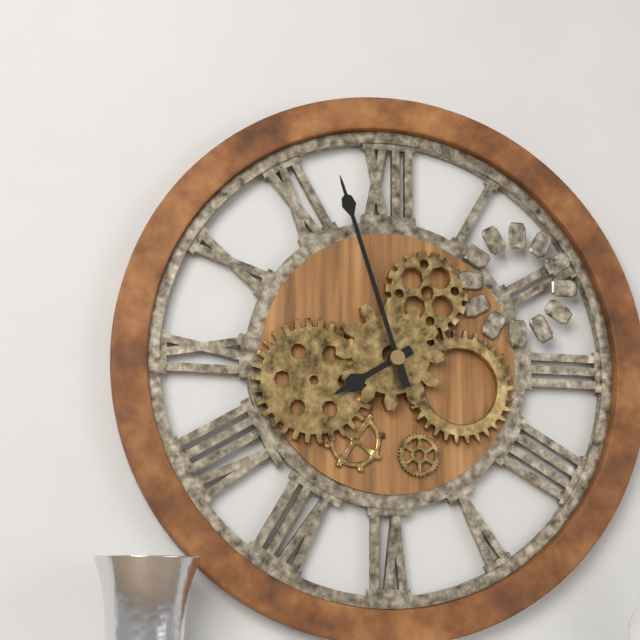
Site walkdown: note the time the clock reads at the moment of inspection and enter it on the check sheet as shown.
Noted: 7:57
